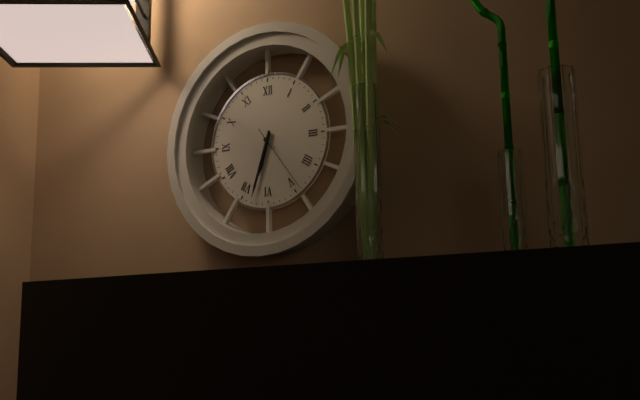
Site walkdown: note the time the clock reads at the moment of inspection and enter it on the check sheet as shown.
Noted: 6:33:24
